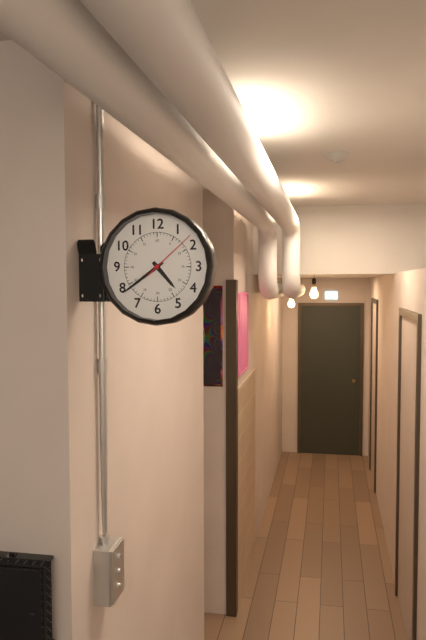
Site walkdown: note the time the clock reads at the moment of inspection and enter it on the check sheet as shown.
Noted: 4:39:08
